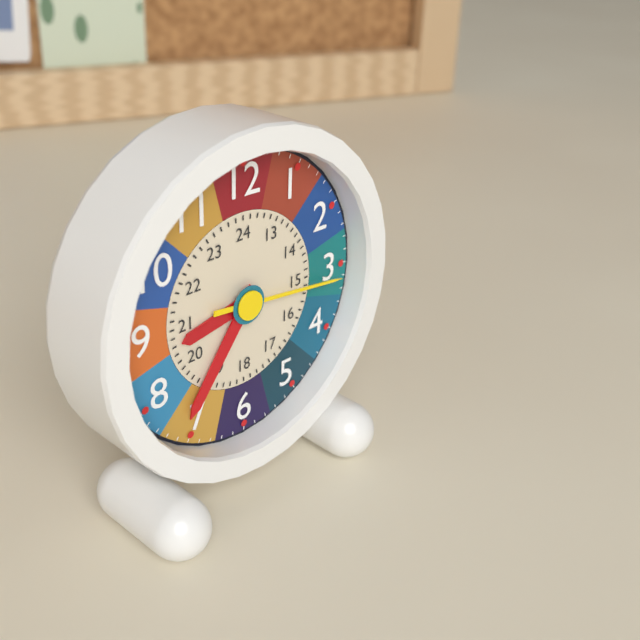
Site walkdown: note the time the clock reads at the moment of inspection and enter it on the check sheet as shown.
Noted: 8:36:16
